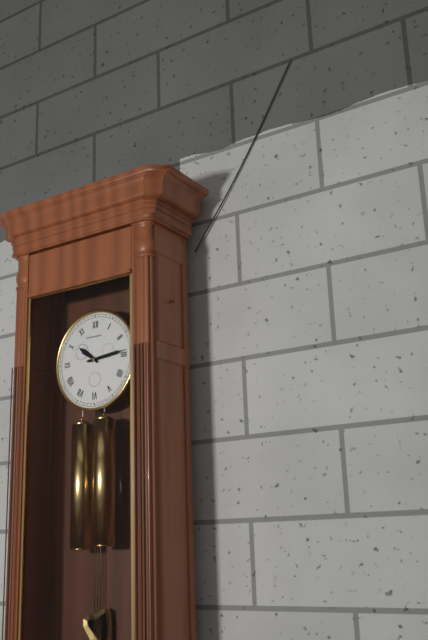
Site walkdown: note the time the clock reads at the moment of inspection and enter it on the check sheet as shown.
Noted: 10:14
